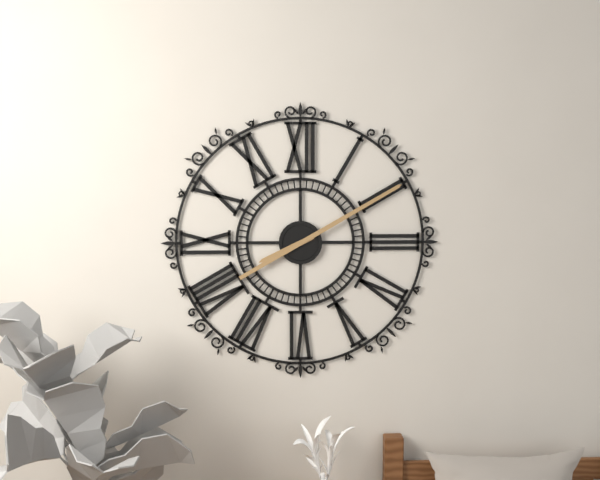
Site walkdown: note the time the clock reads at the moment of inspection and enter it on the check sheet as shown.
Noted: 8:10
